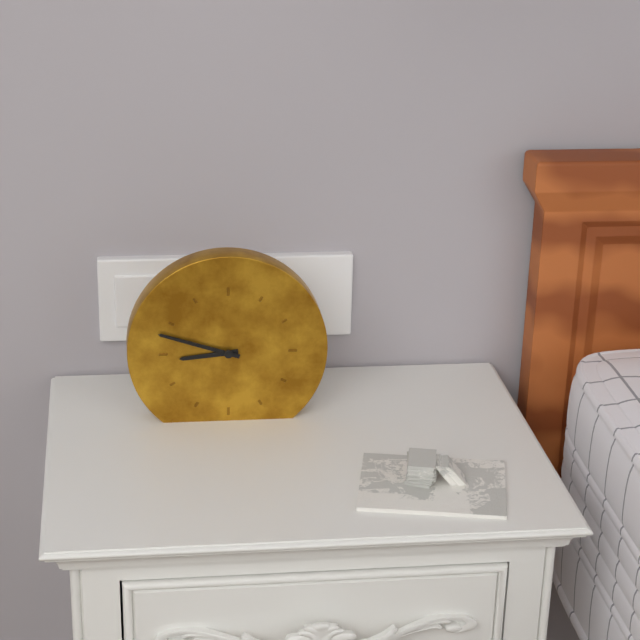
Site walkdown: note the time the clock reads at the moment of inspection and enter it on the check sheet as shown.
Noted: 8:48
